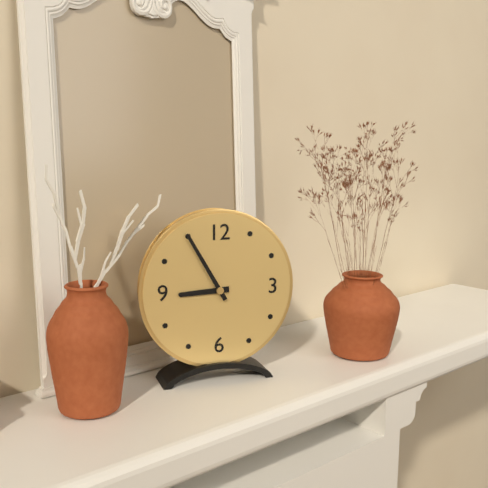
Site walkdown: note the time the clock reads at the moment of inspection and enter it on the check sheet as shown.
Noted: 8:55
